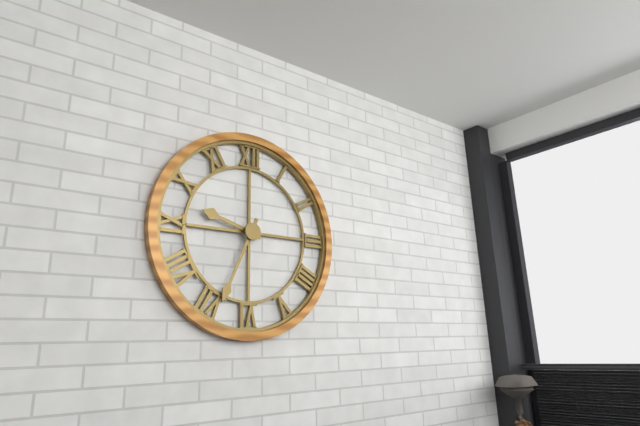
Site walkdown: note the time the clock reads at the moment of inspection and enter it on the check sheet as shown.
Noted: 9:34
